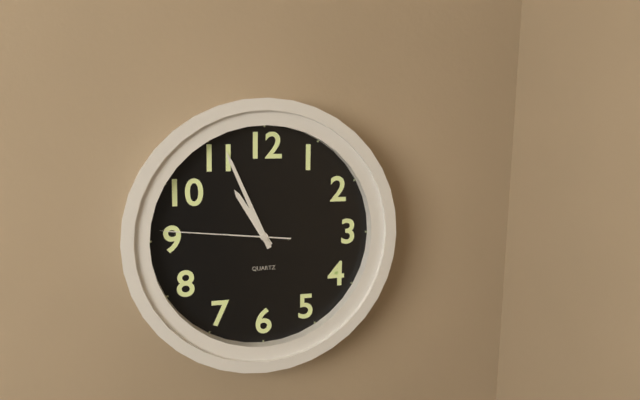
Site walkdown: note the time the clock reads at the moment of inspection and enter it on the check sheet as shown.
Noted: 10:56:46
